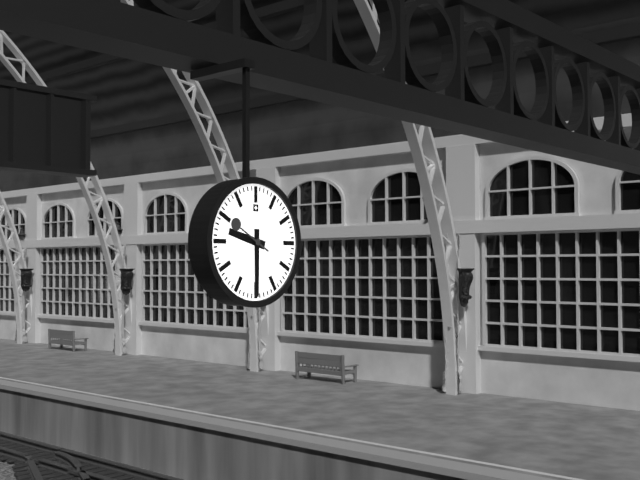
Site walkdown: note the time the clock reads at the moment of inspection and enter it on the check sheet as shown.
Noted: 9:30
